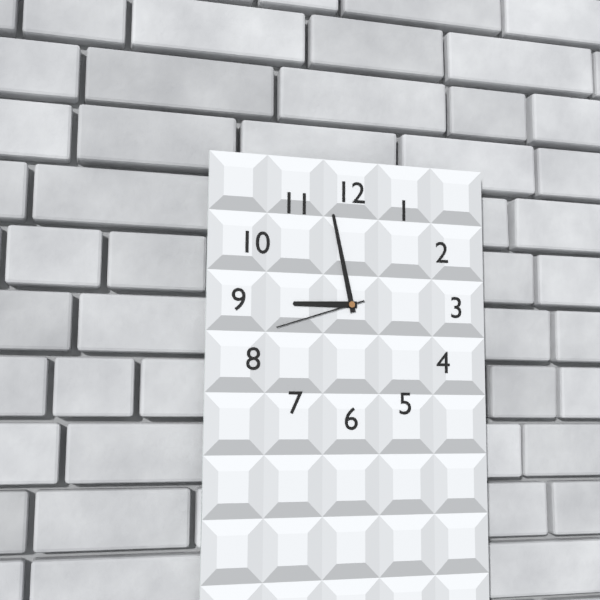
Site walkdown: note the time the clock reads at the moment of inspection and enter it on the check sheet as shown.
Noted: 8:58:42
